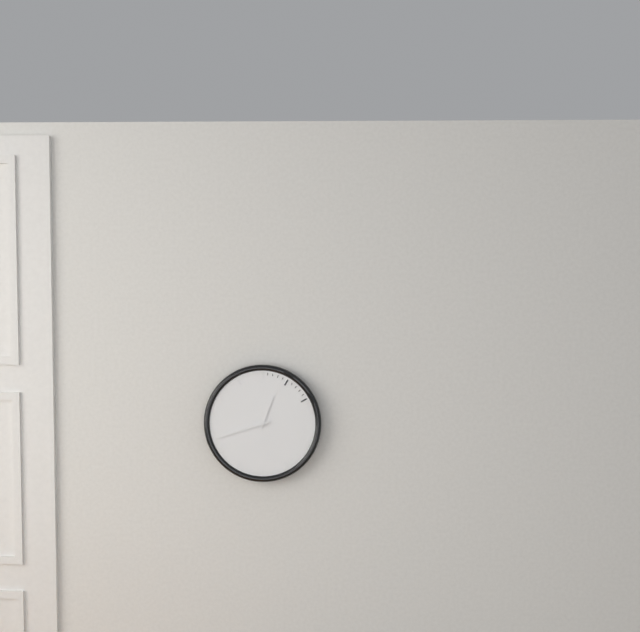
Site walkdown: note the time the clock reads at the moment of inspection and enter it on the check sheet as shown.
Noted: 12:42
